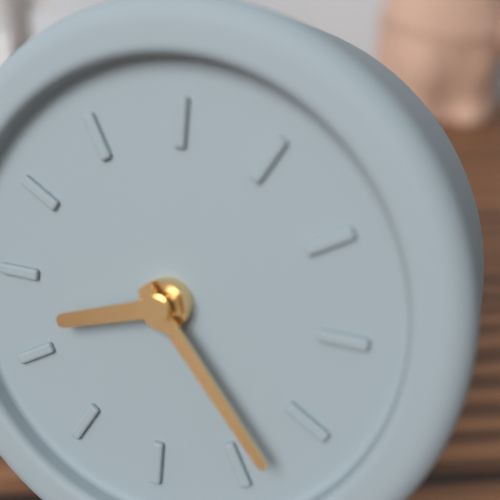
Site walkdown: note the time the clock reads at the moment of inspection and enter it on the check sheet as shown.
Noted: 8:23
